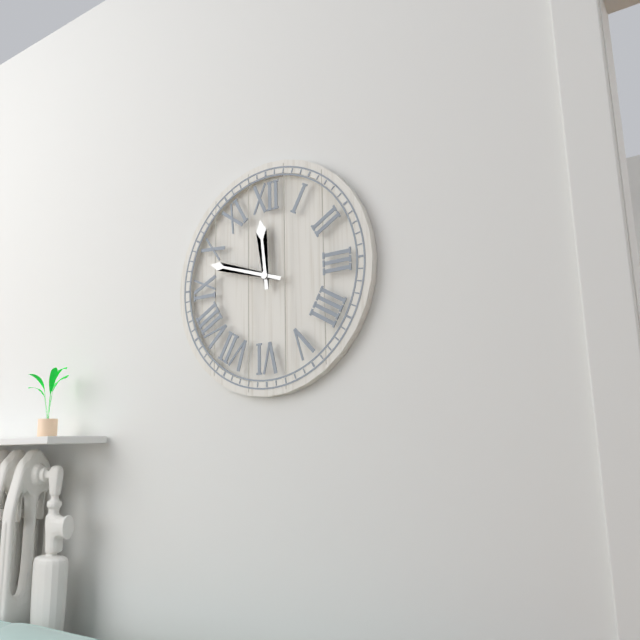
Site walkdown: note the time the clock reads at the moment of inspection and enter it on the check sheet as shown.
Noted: 11:48
